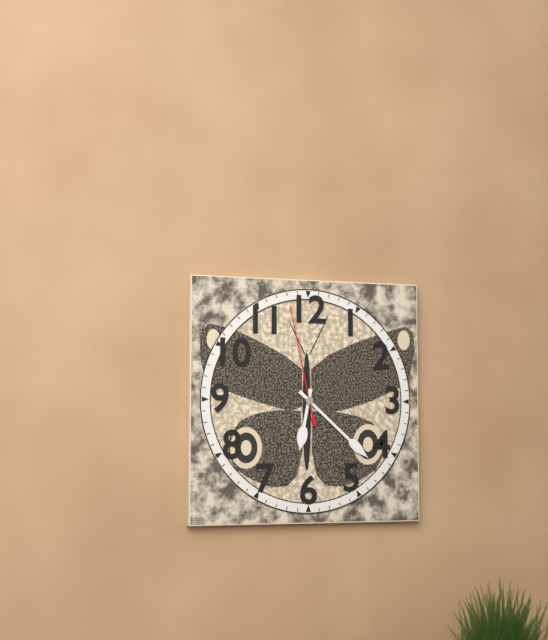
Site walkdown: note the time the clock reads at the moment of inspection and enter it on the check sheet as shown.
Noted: 6:22:58
